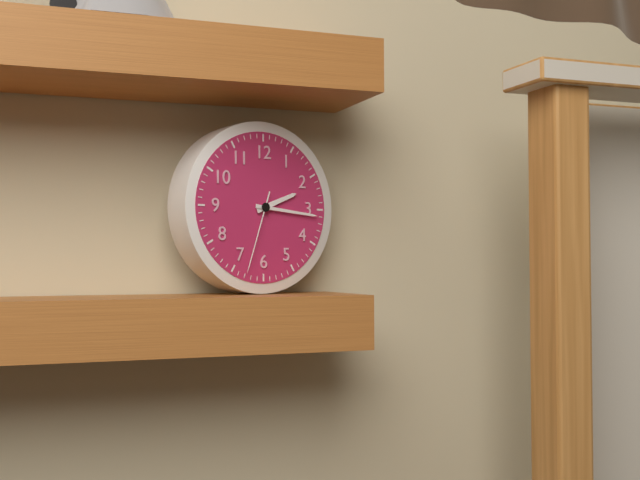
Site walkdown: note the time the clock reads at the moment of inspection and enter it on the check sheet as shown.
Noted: 2:16:33
